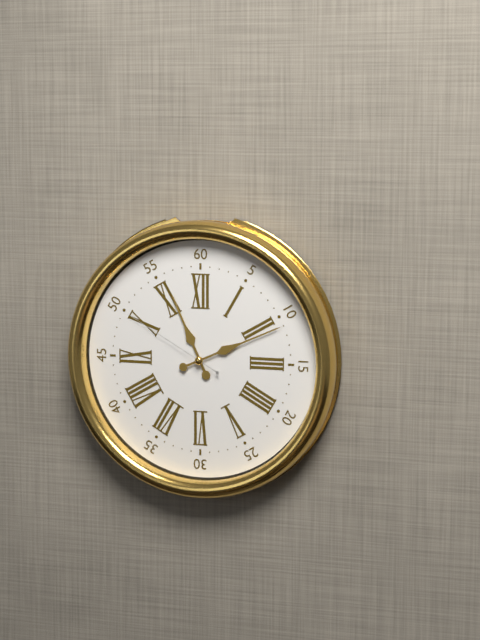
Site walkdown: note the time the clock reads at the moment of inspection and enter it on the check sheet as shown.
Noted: 11:11:50
